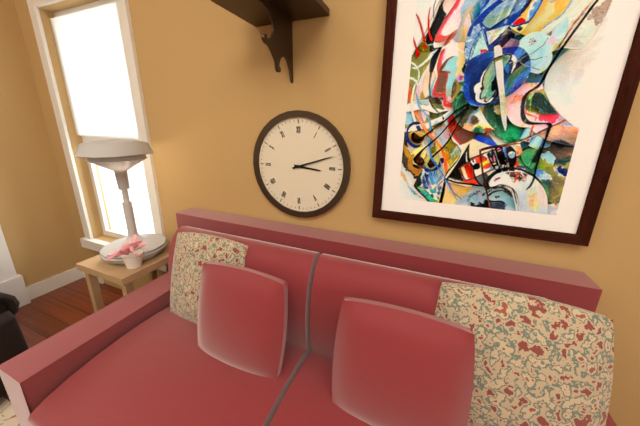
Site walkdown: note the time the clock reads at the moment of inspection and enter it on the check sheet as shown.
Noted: 3:12
